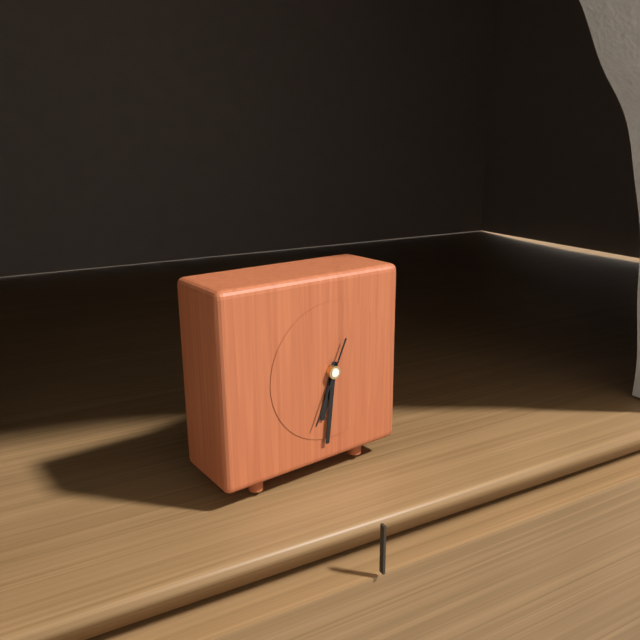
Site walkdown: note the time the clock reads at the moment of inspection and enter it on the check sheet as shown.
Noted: 6:31:34
